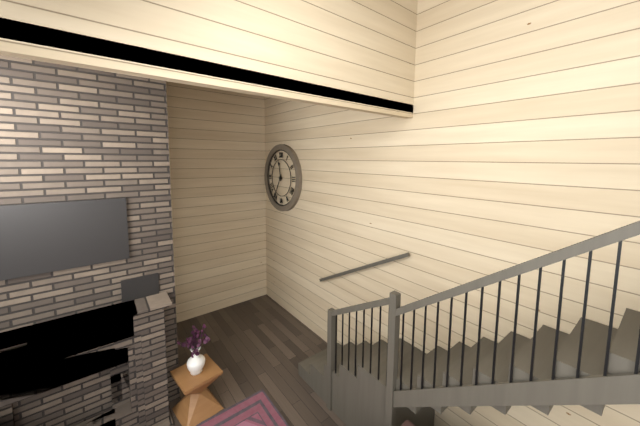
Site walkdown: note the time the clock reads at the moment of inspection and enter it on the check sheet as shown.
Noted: 11:35
